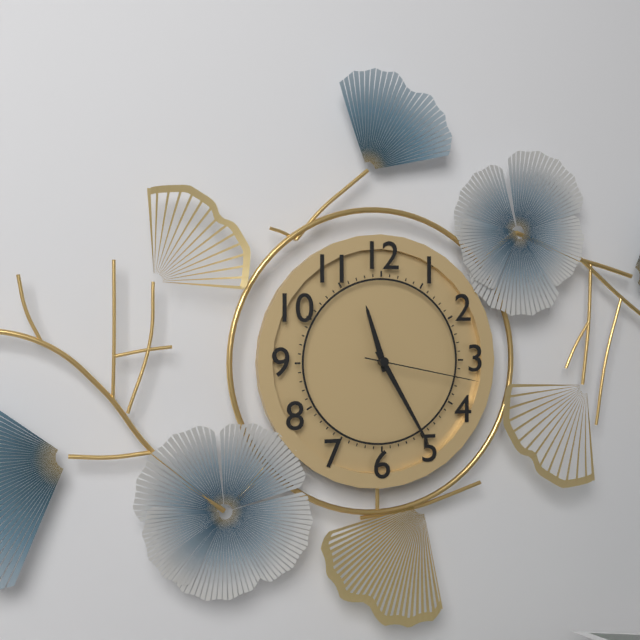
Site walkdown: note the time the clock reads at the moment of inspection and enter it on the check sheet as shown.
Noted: 11:25:17
